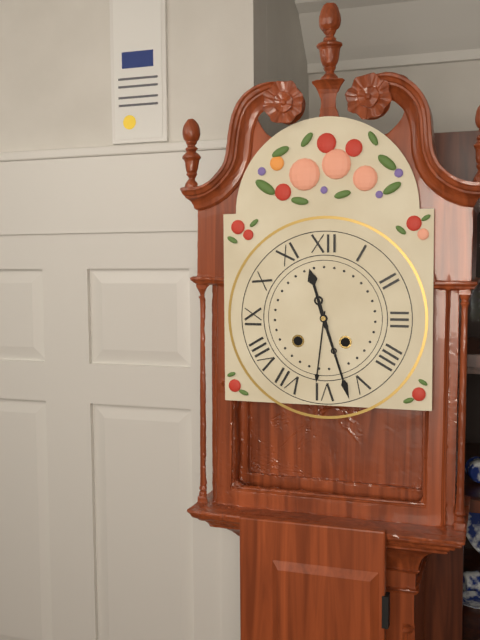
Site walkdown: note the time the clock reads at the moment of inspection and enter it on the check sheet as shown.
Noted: 11:27
